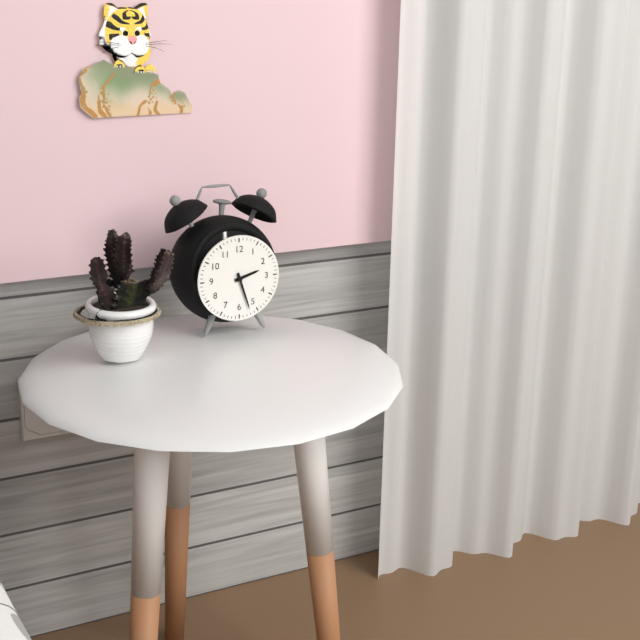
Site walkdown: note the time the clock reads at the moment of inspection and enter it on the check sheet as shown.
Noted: 2:27
